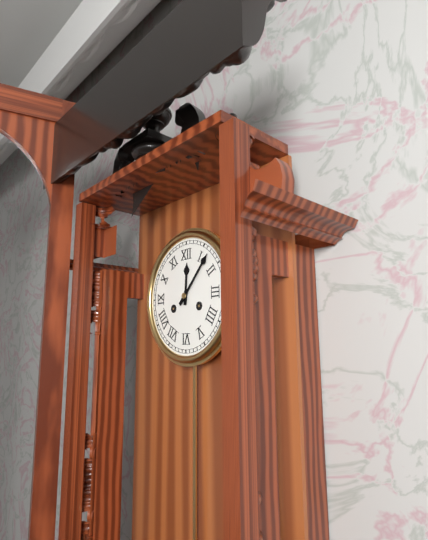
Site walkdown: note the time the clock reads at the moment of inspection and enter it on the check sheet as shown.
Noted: 12:07
